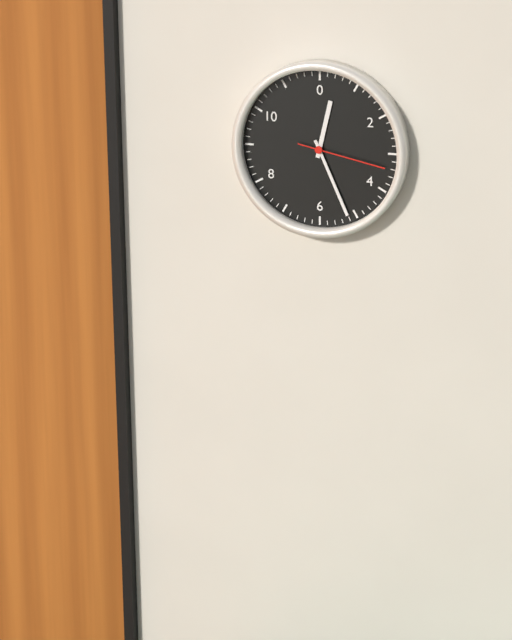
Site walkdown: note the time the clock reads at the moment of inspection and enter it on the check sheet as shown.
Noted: 12:26:17
